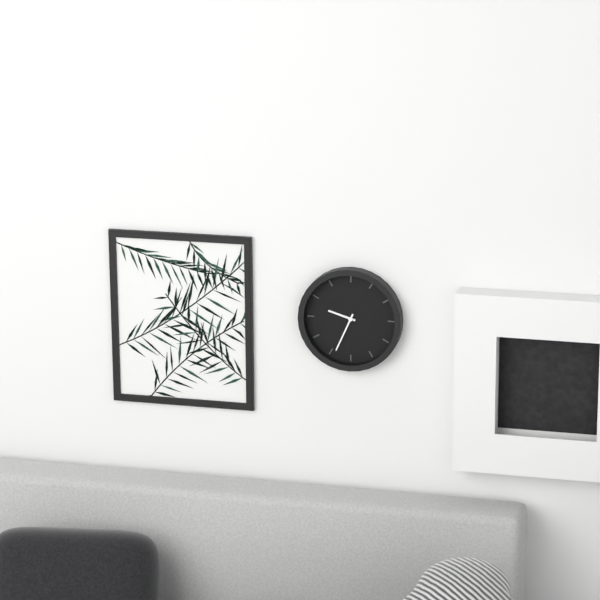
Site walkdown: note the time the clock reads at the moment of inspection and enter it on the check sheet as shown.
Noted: 9:34
